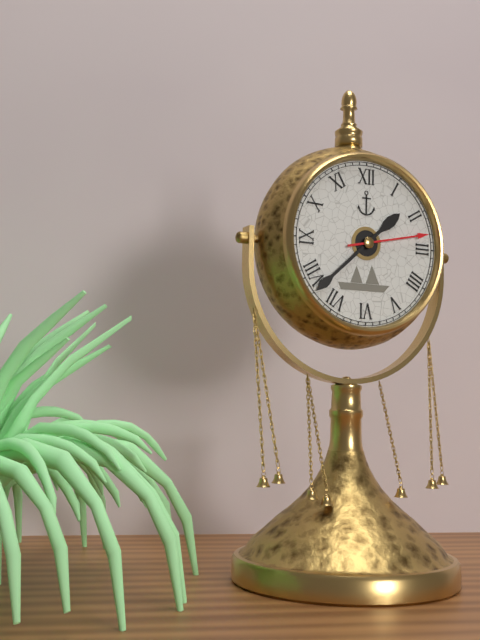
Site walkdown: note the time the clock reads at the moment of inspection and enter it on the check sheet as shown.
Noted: 1:38:13
